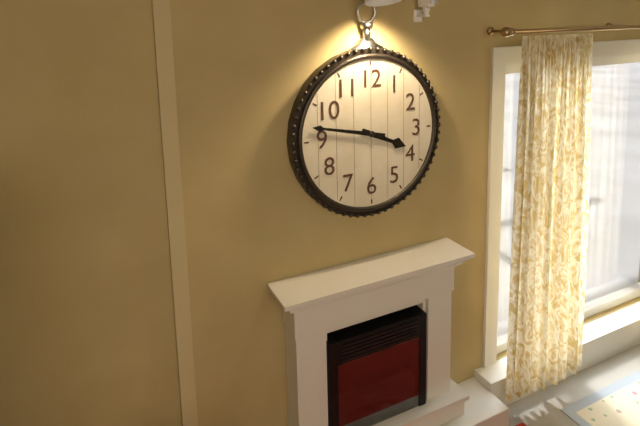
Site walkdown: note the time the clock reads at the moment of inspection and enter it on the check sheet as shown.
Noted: 3:47
